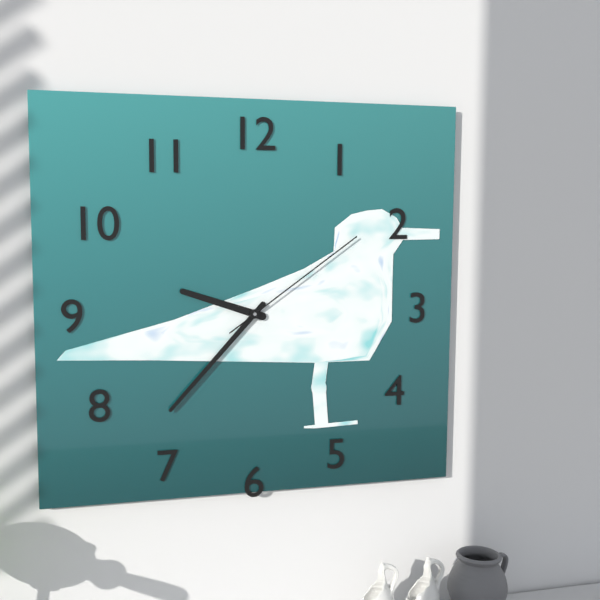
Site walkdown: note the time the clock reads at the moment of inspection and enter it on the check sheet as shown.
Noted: 9:37:09
